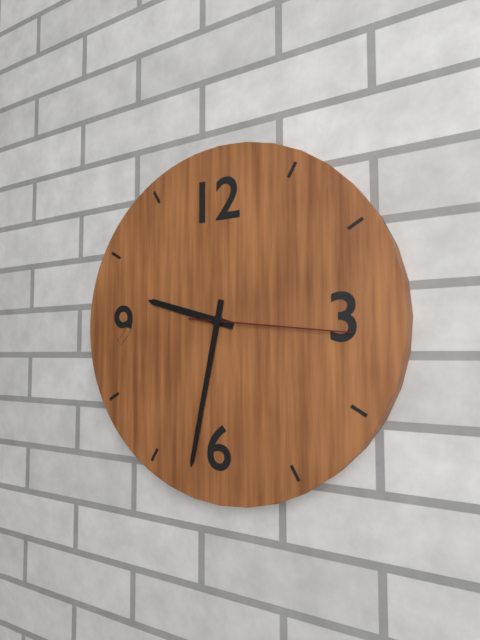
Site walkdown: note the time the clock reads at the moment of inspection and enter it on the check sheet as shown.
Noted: 9:32:16
